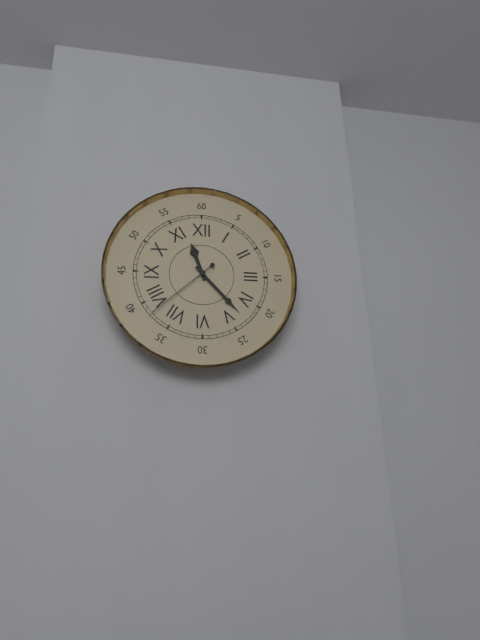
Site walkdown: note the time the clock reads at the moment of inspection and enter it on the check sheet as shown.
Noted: 11:23:38
